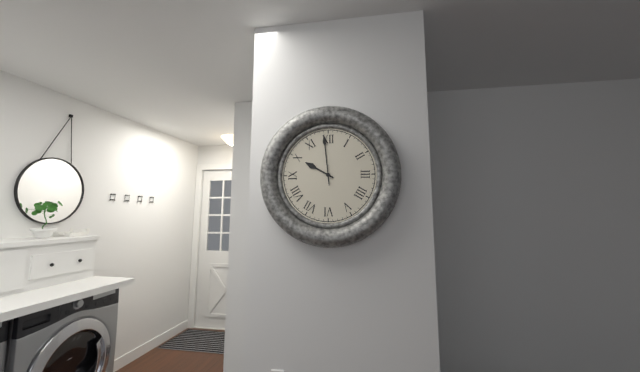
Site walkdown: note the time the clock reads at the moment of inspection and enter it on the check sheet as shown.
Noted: 9:59
